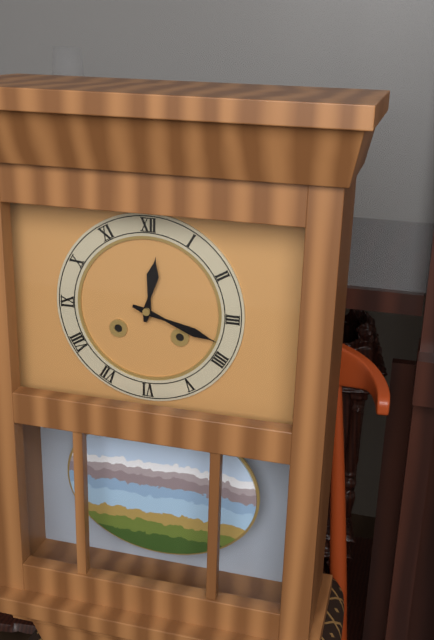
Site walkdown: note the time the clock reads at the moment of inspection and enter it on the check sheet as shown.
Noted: 12:18
